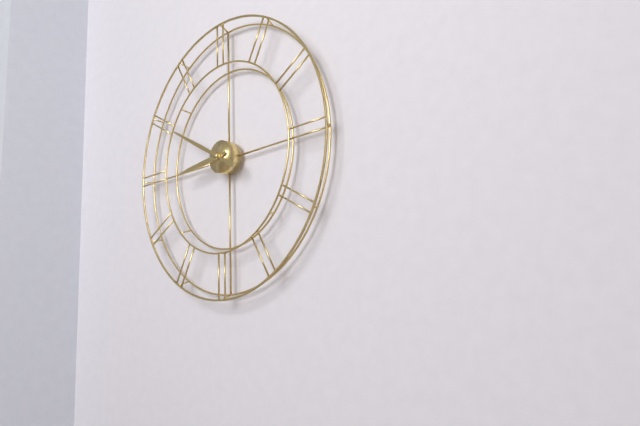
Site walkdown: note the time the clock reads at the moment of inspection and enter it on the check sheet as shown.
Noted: 8:50
